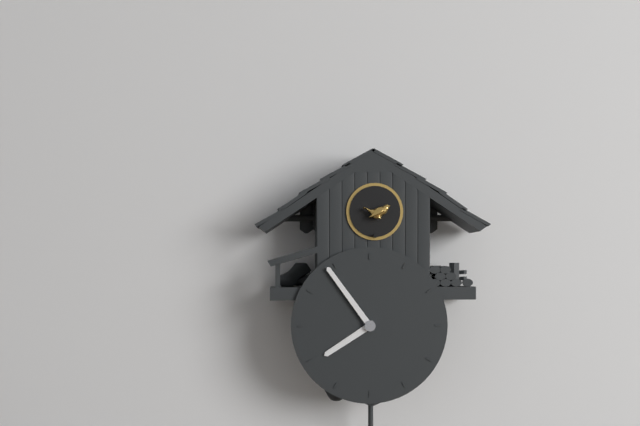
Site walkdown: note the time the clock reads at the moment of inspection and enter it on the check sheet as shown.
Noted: 7:54
